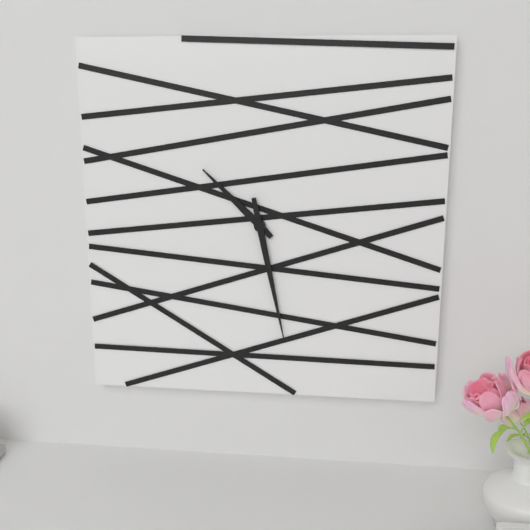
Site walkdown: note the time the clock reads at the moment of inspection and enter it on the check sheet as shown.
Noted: 10:28
